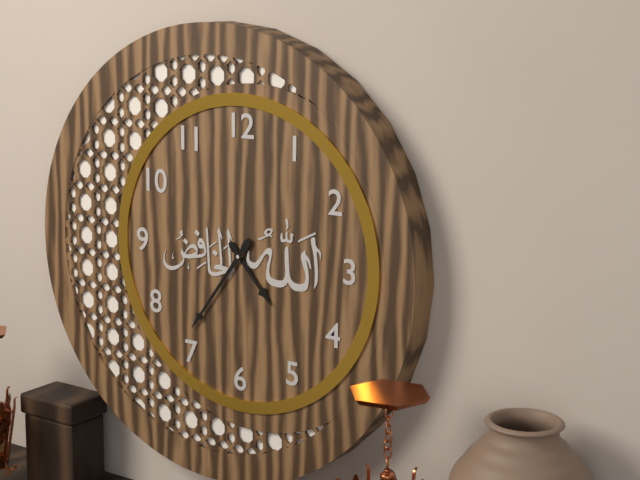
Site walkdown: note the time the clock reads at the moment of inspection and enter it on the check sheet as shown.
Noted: 4:36
